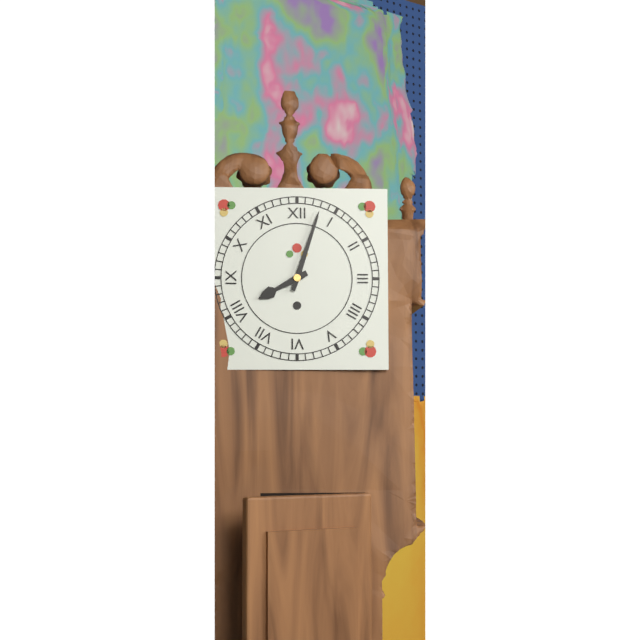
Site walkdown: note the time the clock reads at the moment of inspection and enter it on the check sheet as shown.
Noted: 8:03
